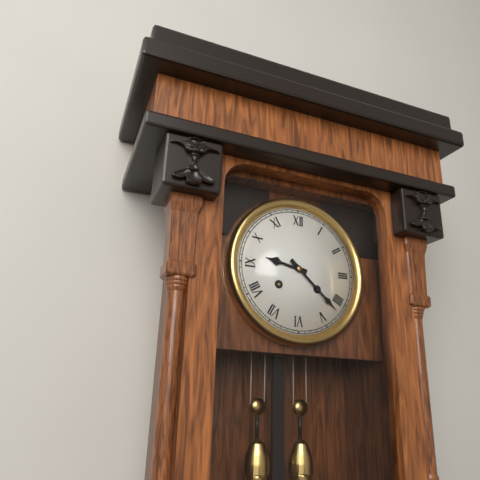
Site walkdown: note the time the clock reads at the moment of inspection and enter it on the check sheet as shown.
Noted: 9:22
